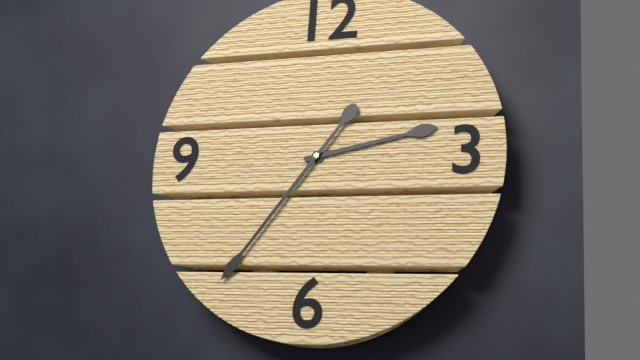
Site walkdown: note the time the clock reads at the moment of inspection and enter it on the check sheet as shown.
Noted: 2:36
